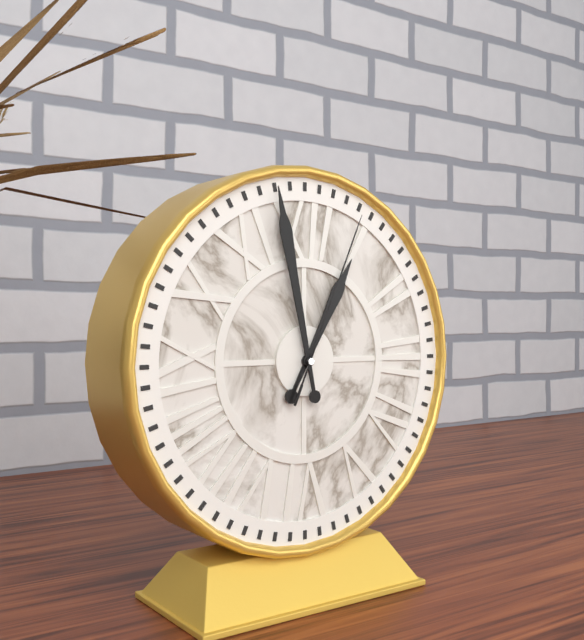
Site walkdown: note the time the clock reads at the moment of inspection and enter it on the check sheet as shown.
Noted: 12:58:04
